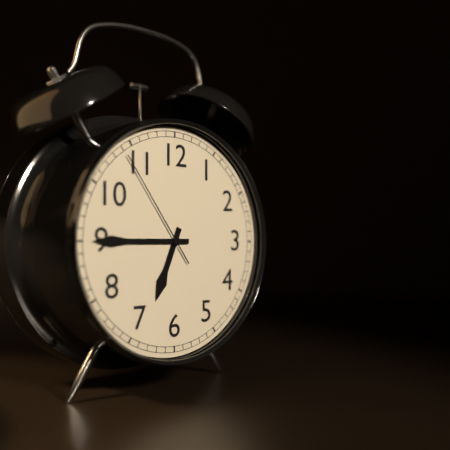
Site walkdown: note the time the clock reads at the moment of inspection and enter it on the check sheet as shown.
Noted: 6:45:54
